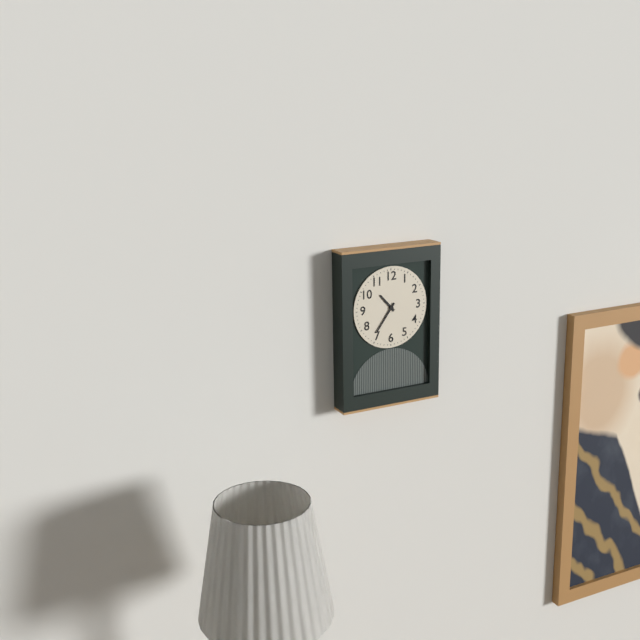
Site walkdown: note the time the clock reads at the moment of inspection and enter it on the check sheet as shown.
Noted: 10:36
